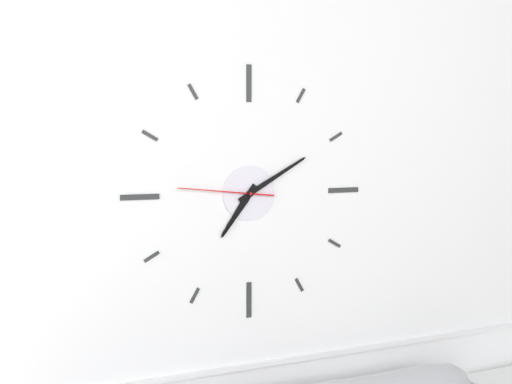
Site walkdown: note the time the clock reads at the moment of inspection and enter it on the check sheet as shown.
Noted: 7:10:46
